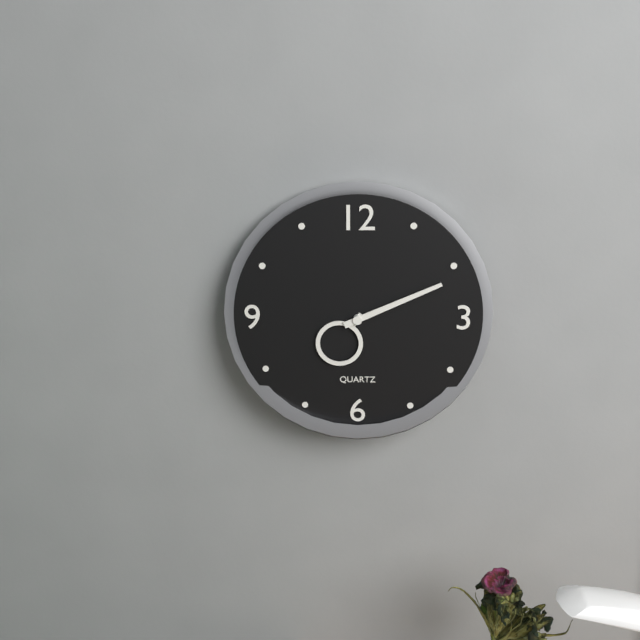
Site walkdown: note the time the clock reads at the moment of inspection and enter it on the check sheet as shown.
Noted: 7:11
